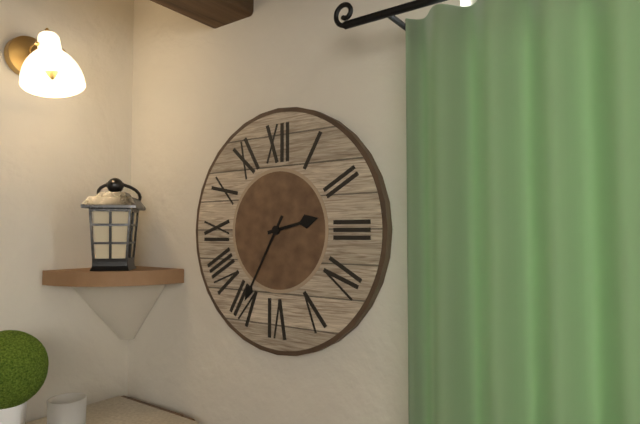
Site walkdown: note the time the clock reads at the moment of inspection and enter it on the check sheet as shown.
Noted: 2:35
